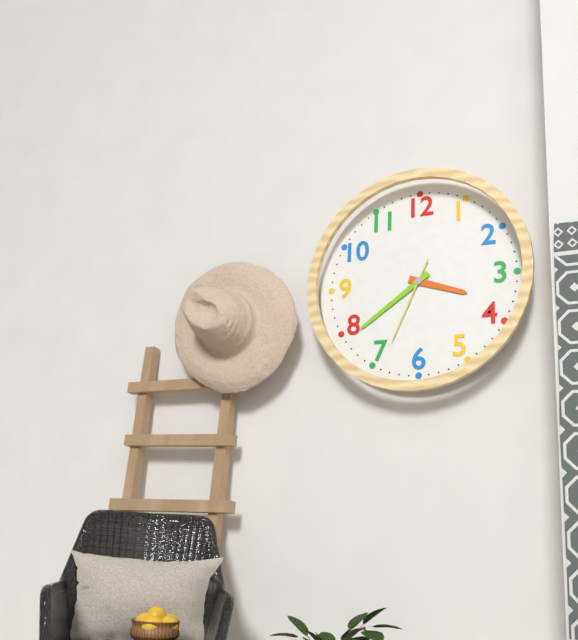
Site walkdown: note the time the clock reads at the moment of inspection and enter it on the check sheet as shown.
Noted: 3:39:34
